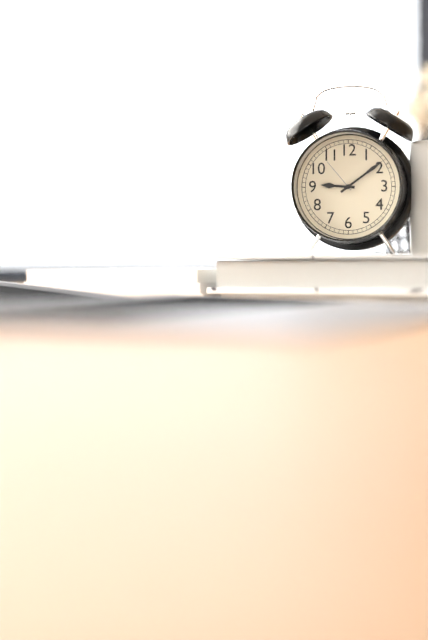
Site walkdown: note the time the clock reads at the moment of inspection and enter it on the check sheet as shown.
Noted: 9:09
